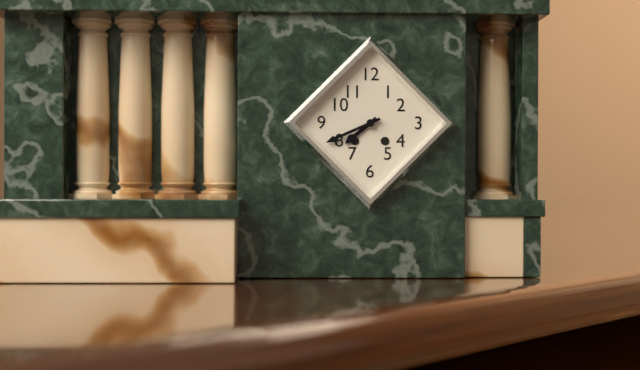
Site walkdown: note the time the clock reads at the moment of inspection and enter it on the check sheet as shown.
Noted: 7:41
